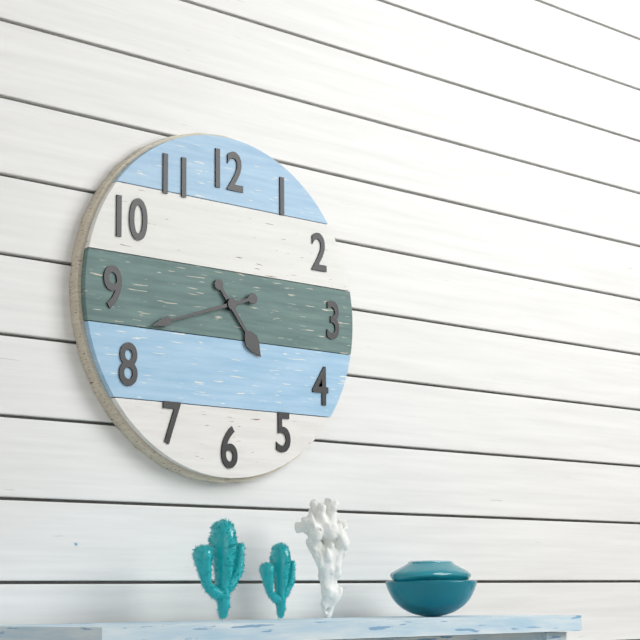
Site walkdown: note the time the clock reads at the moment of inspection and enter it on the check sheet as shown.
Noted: 4:42
